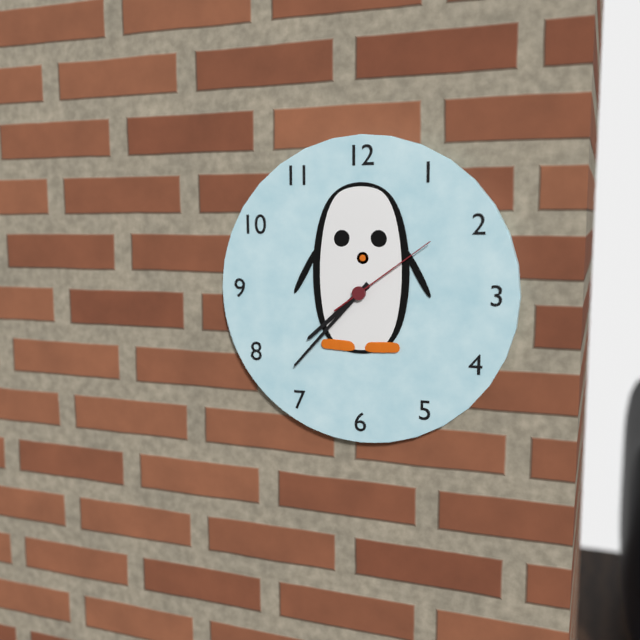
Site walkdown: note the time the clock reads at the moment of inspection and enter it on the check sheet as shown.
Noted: 7:37:09
